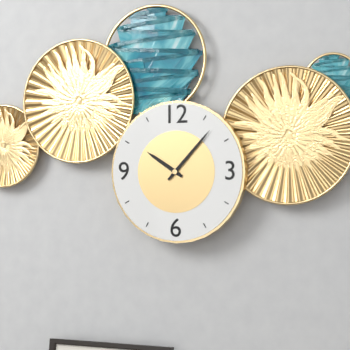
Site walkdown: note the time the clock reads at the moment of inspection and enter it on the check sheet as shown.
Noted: 10:07
